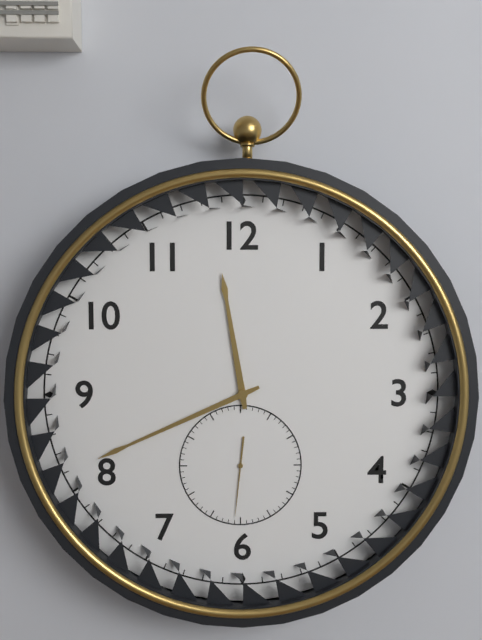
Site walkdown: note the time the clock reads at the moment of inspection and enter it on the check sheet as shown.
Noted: 11:41:31
